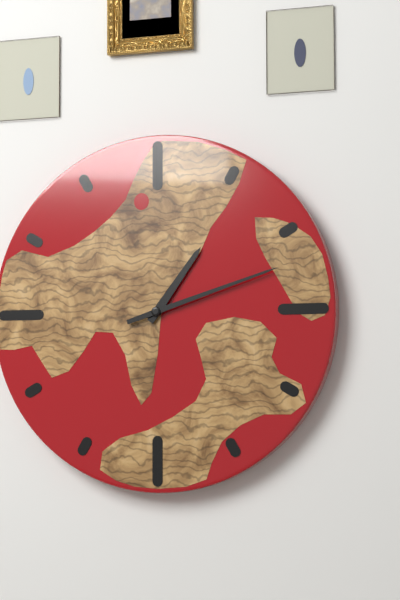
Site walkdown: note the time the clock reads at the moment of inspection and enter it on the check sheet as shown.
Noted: 1:12
